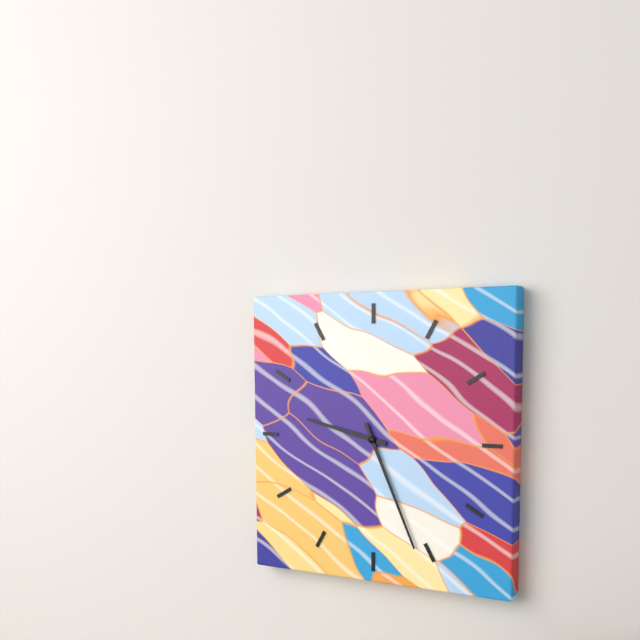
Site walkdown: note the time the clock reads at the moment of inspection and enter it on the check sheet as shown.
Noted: 9:26
